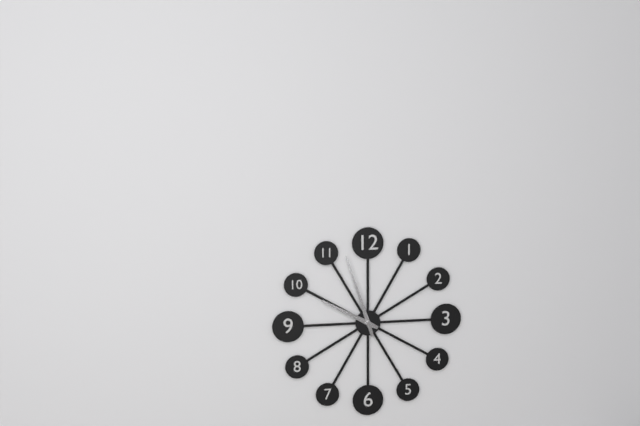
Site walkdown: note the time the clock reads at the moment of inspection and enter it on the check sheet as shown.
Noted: 9:57
